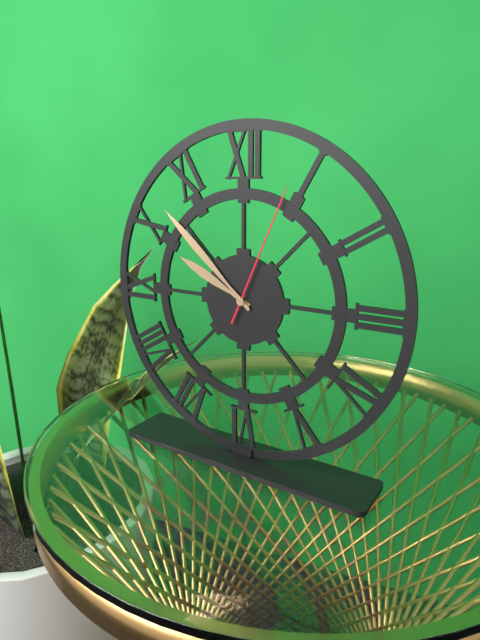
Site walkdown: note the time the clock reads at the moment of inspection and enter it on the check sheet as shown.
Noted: 9:52:04
